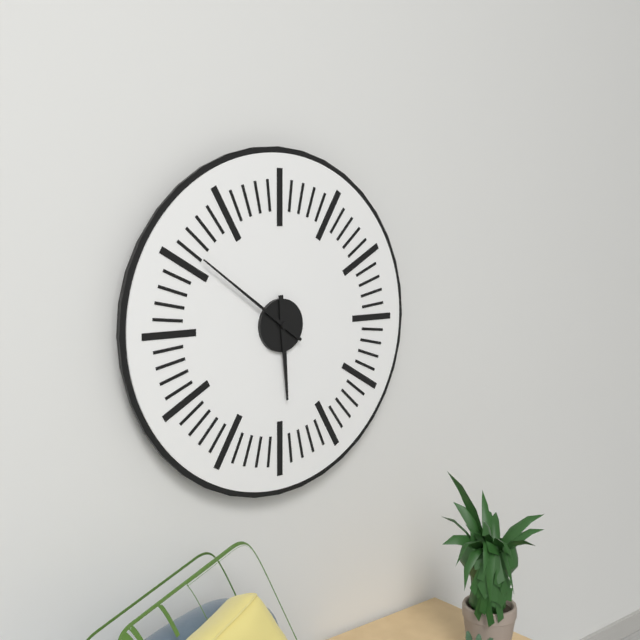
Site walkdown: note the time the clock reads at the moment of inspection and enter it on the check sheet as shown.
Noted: 5:51
